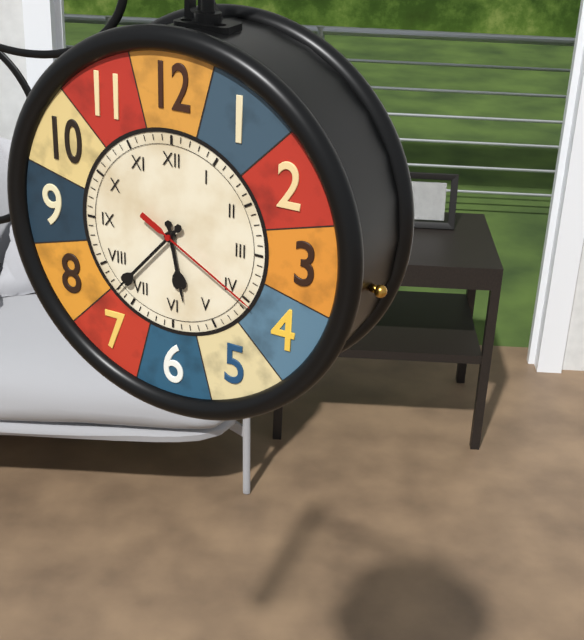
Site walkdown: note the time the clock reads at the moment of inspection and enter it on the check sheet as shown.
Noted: 5:37:20
